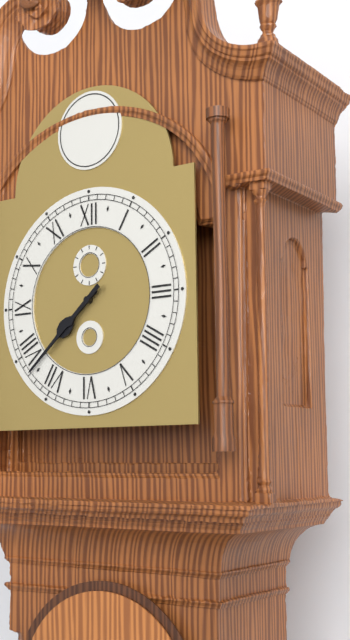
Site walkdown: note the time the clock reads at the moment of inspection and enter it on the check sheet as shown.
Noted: 7:38
